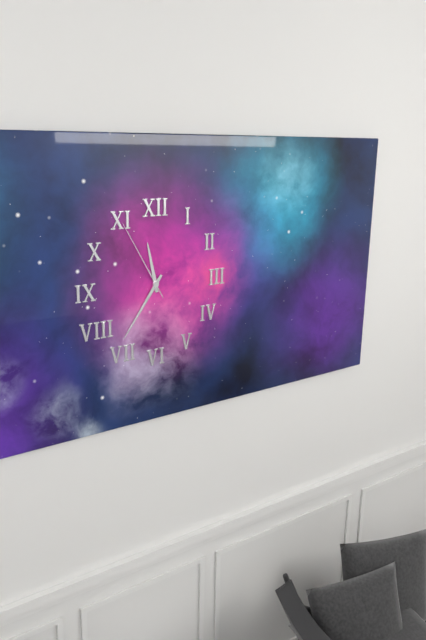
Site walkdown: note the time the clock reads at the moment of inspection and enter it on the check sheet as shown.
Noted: 11:36:55
